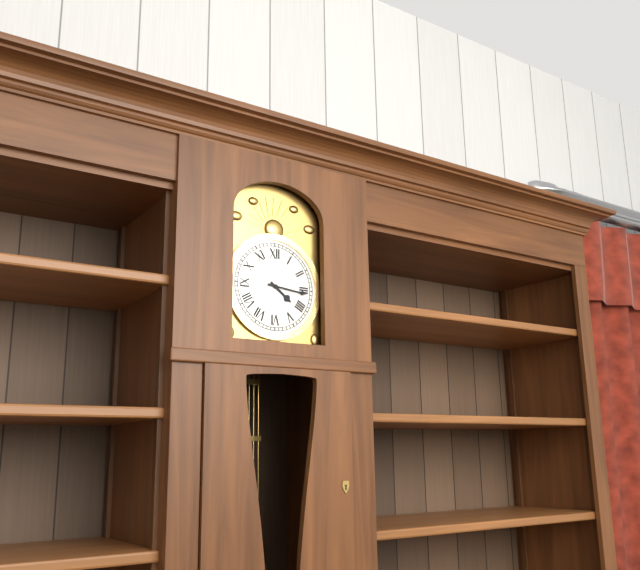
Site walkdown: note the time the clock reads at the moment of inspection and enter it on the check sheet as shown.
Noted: 4:16
